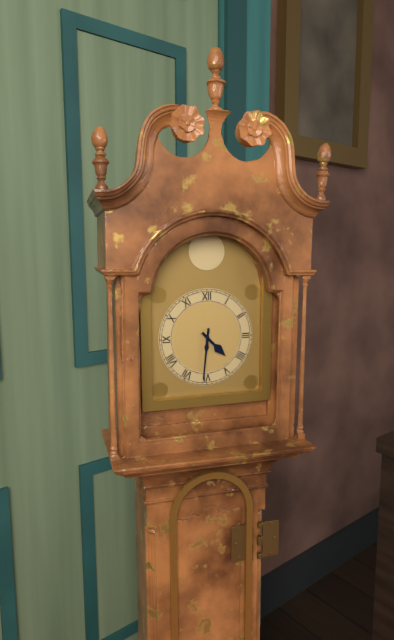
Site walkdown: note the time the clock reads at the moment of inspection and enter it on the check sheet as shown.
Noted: 4:31
